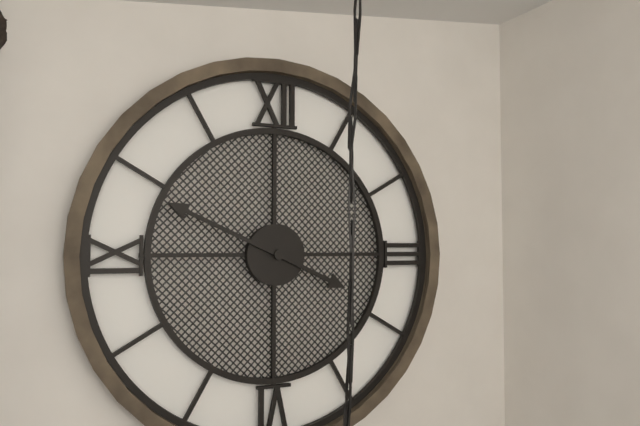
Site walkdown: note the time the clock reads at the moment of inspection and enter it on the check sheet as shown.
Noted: 3:49
